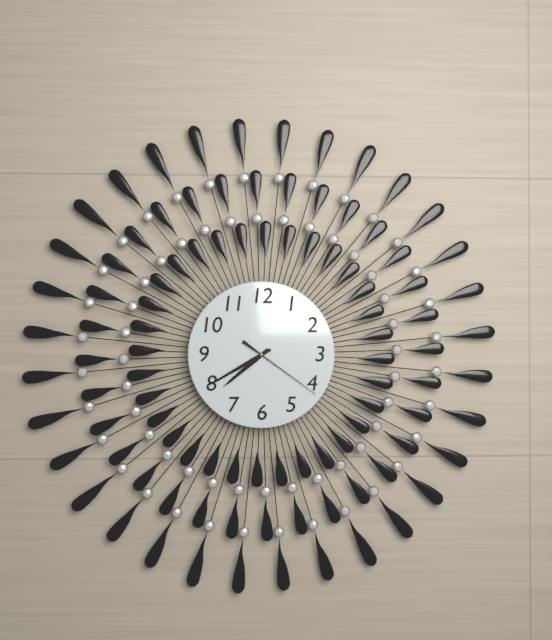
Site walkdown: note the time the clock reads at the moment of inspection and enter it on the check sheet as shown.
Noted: 7:40:21
